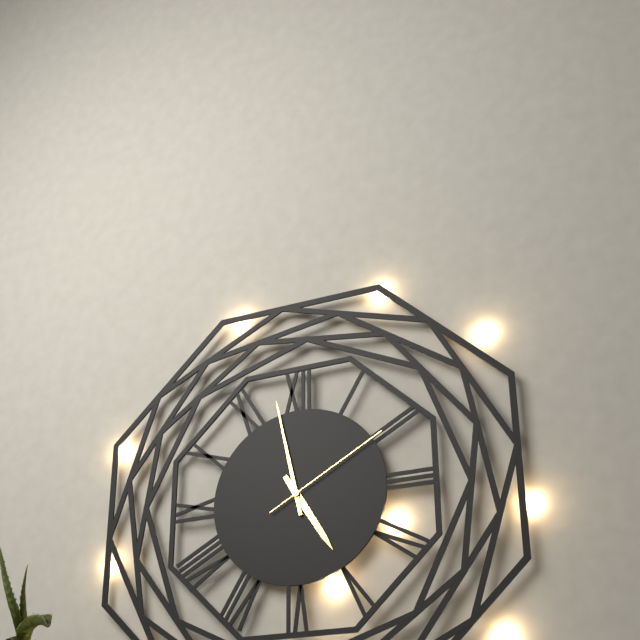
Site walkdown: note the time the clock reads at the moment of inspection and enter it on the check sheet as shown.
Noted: 4:58:10
